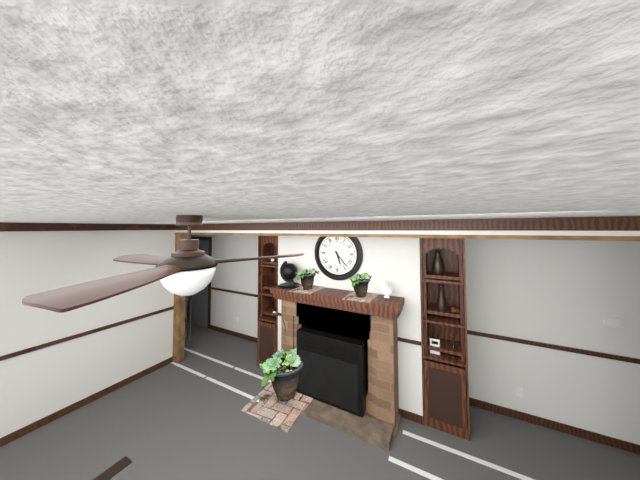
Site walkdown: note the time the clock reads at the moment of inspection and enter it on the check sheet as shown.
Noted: 5:23
